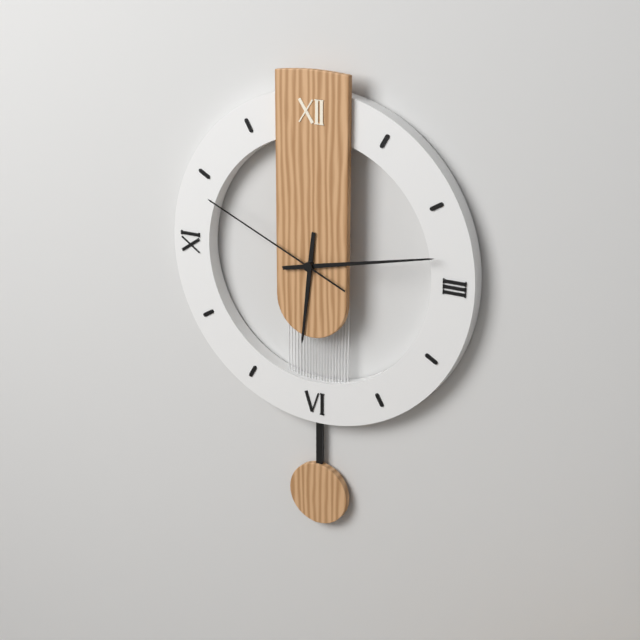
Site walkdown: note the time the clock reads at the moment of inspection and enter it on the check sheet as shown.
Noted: 6:13:49
